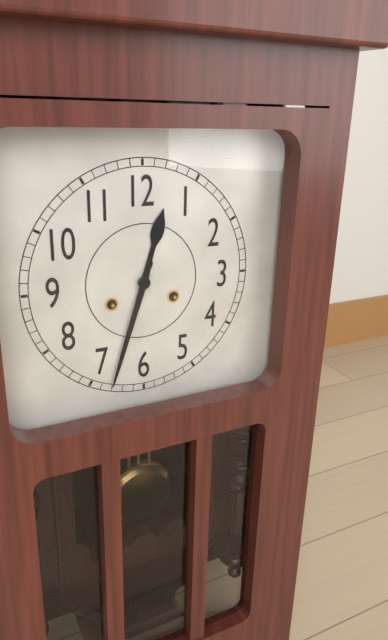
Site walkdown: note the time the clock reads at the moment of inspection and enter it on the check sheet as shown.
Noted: 12:33
